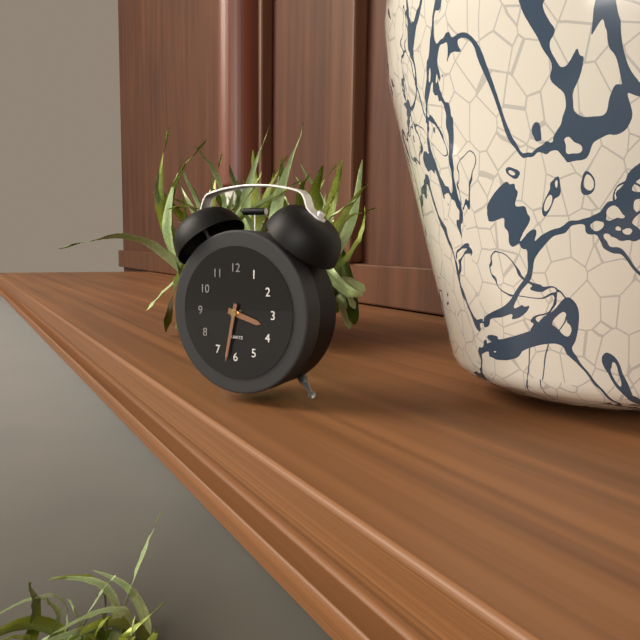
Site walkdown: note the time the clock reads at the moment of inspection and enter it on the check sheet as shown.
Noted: 3:32
